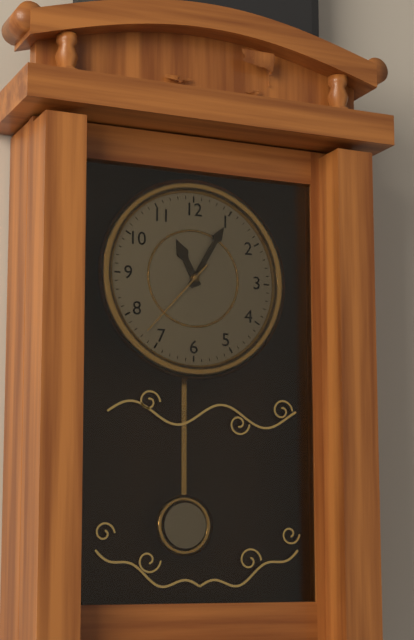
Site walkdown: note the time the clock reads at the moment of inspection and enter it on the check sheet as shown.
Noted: 11:05:37
